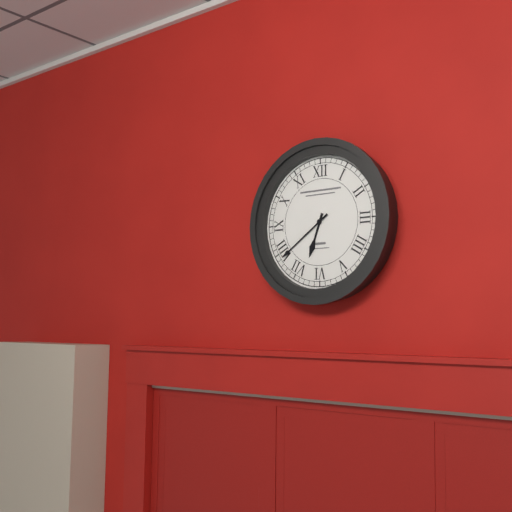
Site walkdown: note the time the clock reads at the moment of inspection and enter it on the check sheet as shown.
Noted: 6:39
